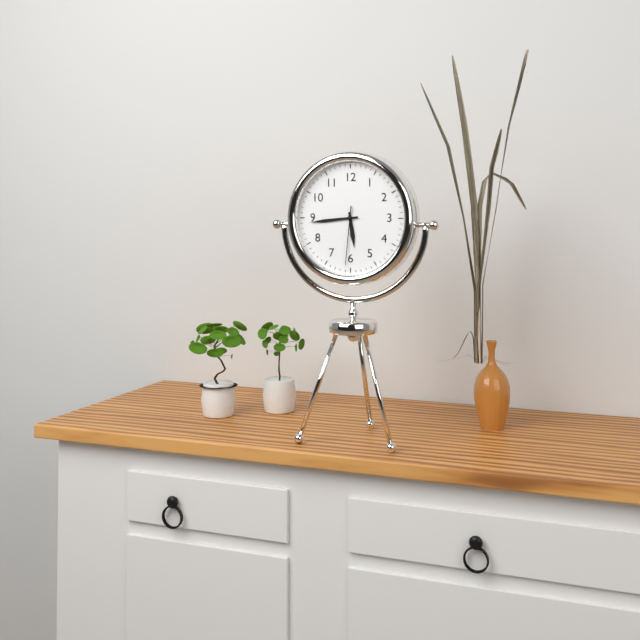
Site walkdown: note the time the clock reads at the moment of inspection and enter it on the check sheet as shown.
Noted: 5:44:31
